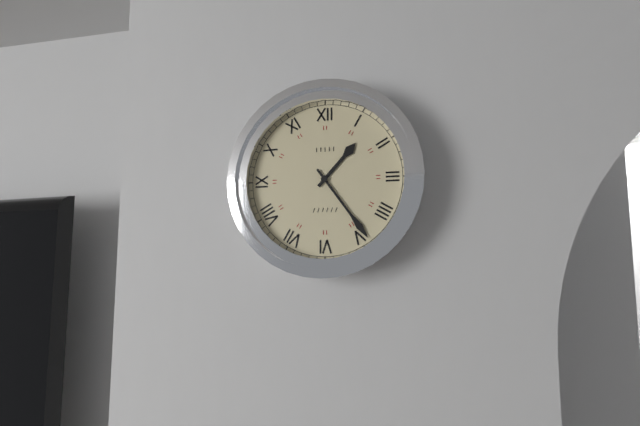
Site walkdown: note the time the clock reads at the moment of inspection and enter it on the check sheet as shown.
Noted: 1:24
